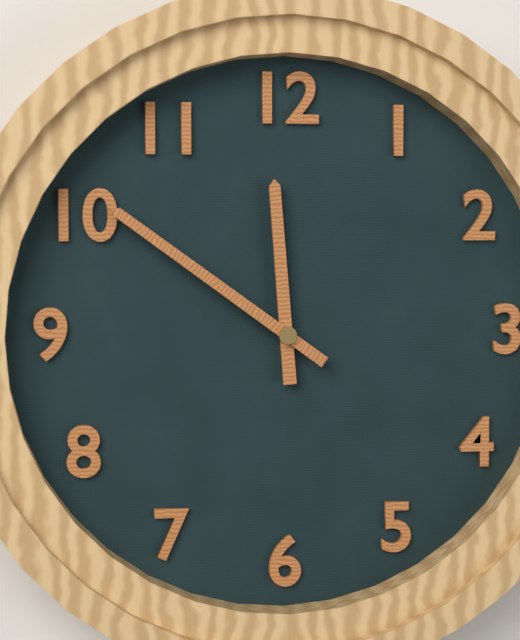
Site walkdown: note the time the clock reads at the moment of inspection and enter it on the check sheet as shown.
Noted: 11:51
